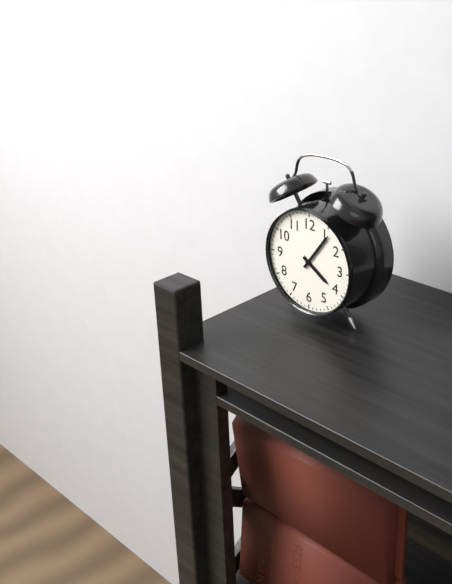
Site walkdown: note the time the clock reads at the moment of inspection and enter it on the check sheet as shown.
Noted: 4:06
